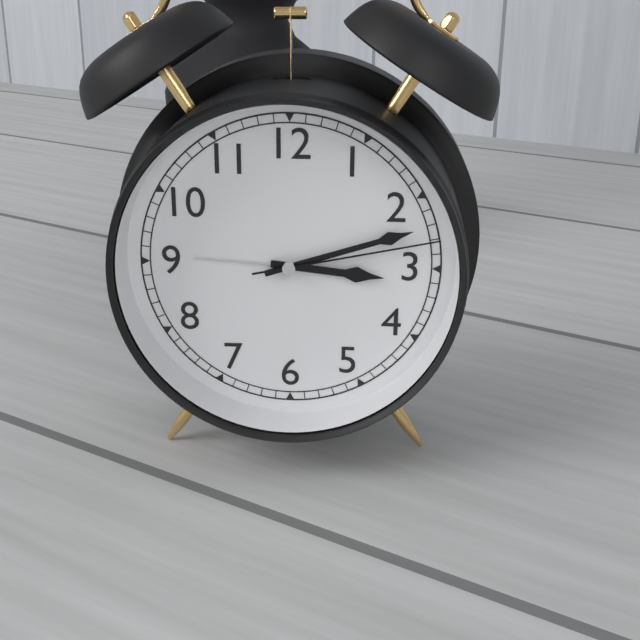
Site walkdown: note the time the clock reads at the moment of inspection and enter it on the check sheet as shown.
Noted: 3:12:13
